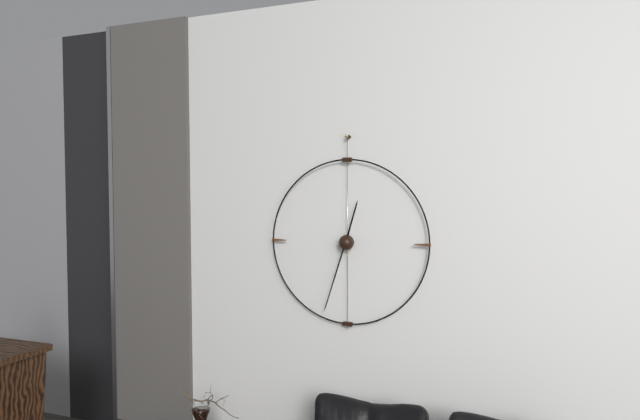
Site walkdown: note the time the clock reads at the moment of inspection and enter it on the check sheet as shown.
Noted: 12:33
